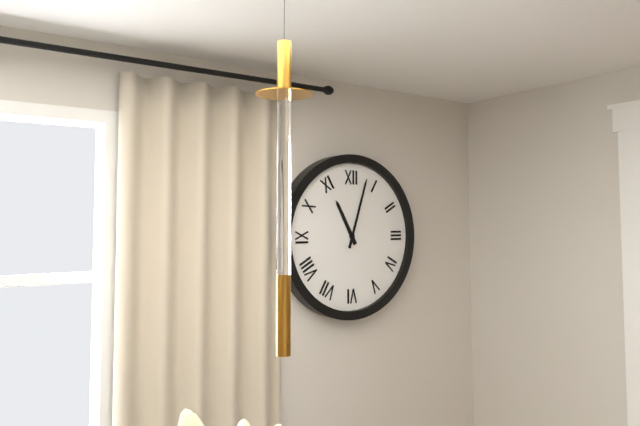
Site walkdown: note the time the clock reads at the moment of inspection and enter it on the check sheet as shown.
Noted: 11:03
